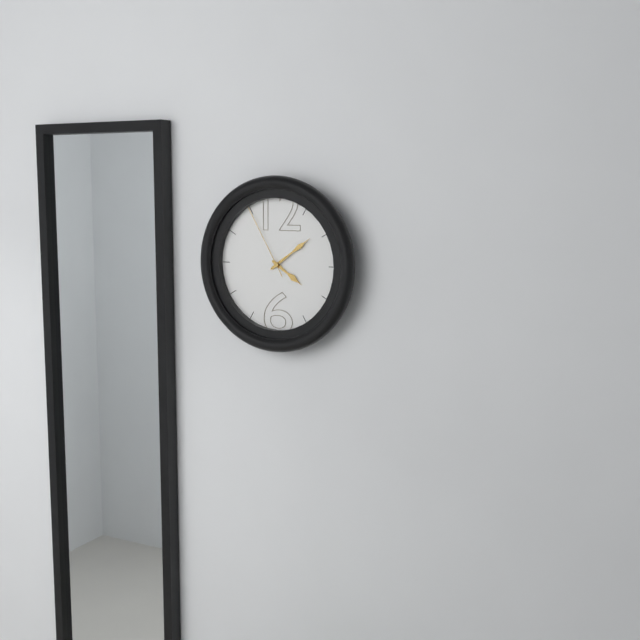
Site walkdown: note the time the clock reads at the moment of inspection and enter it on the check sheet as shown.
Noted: 4:09:55
